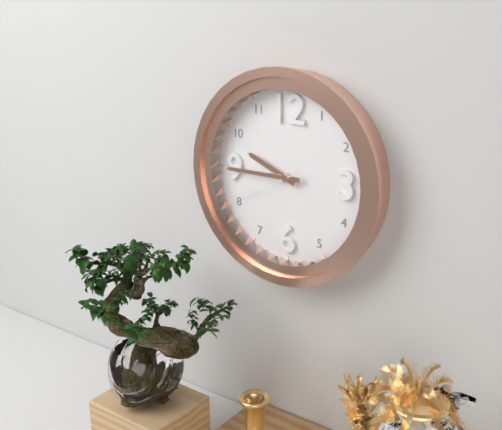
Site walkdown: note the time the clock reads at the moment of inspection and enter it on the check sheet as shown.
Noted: 9:45:41
